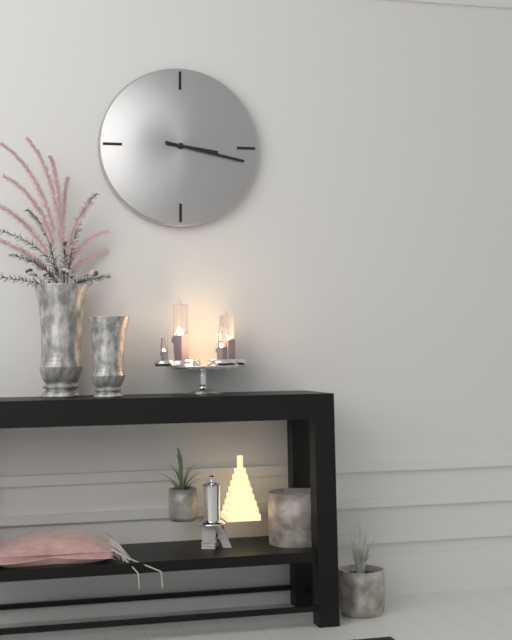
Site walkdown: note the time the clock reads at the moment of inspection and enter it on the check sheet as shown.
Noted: 3:17
